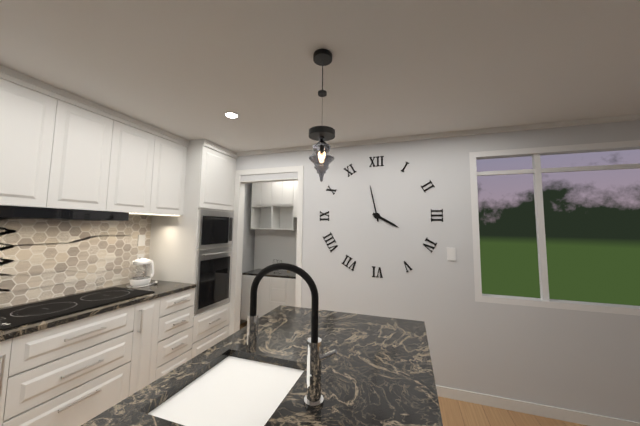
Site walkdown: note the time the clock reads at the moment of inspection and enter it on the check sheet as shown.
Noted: 3:58
